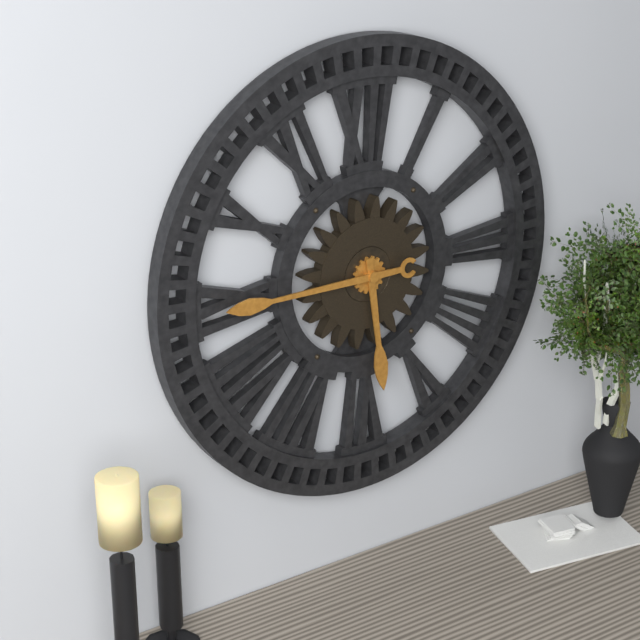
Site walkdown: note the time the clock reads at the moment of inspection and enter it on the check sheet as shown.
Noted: 5:45
